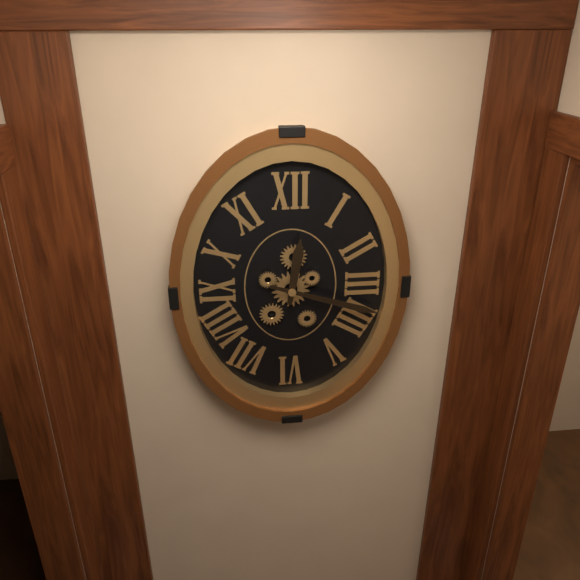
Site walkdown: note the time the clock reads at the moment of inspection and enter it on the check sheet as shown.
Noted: 12:18
